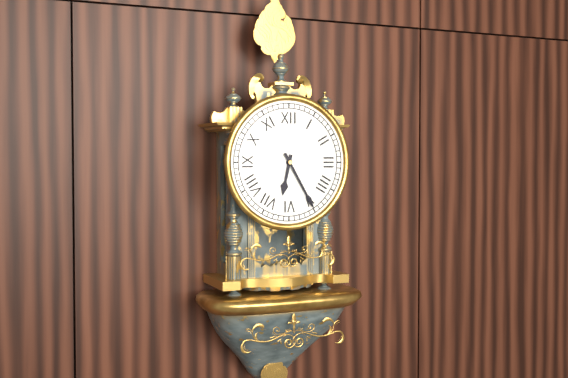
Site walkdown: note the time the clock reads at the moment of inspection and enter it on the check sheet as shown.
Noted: 6:25
